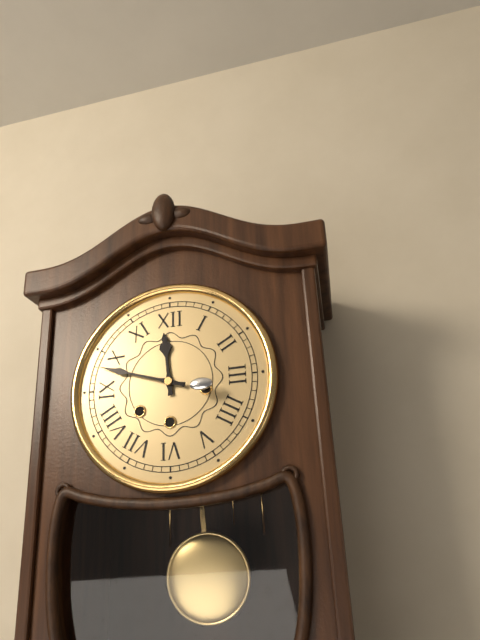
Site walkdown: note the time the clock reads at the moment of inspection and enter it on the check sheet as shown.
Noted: 11:48
